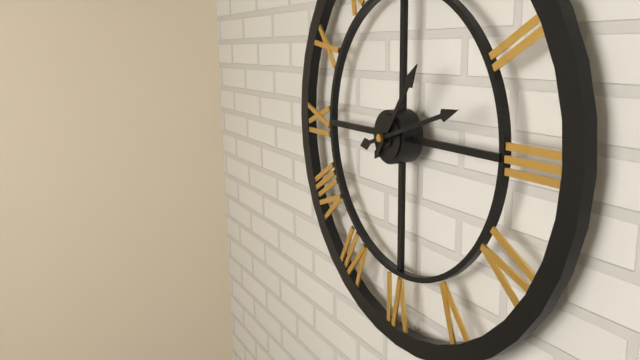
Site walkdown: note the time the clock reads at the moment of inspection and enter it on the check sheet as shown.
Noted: 1:12
